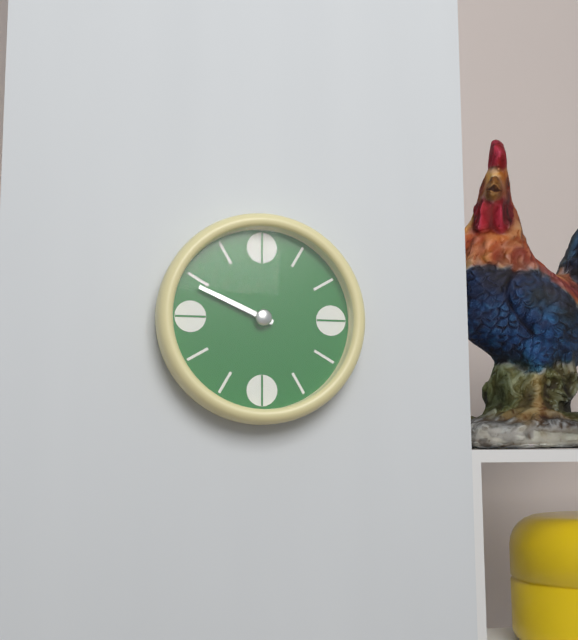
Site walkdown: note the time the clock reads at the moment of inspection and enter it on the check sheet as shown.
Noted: 9:49
